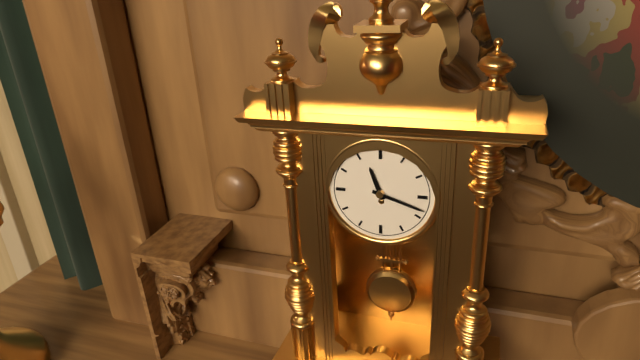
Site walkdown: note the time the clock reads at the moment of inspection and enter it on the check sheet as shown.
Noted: 11:18
